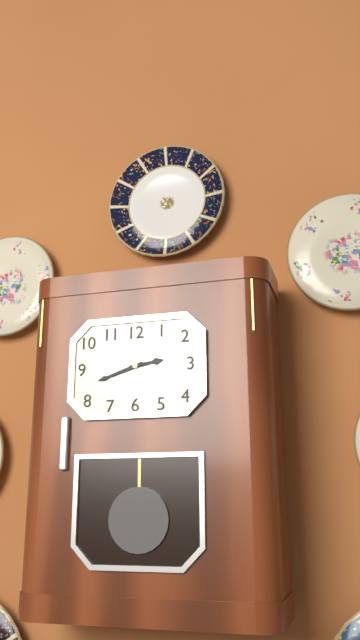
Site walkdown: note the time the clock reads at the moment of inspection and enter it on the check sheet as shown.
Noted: 2:42
